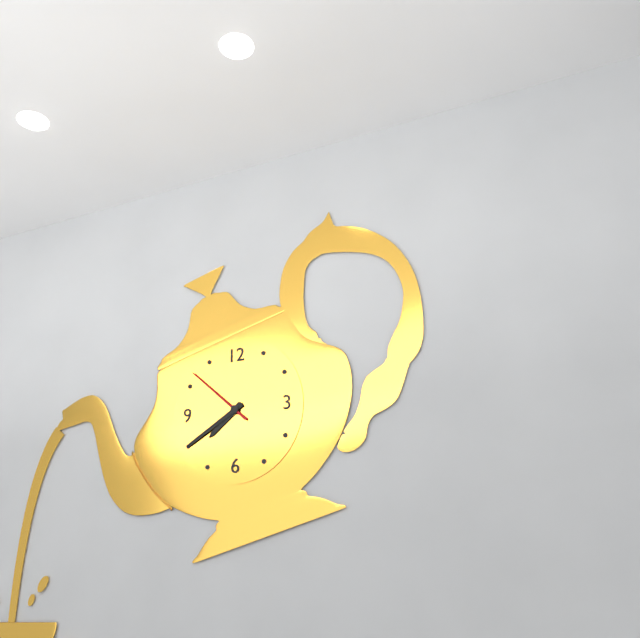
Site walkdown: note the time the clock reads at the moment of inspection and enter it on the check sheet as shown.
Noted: 7:40:52
